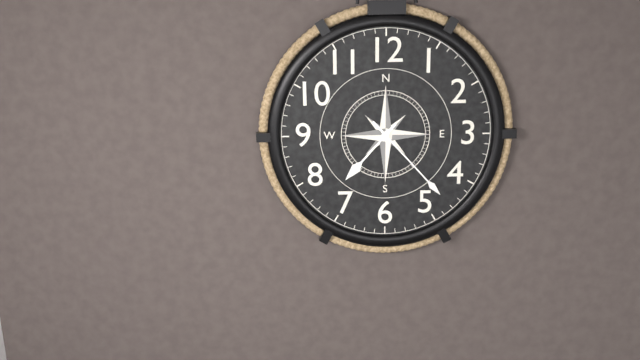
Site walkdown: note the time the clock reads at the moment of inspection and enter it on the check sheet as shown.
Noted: 7:23
